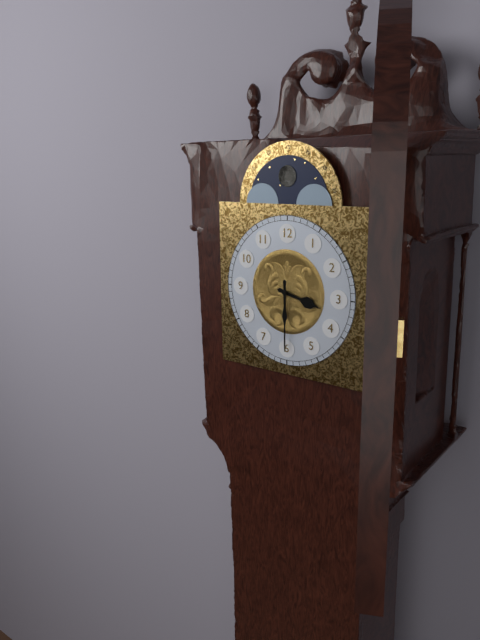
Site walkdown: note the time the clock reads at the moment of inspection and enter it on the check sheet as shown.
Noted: 3:30
